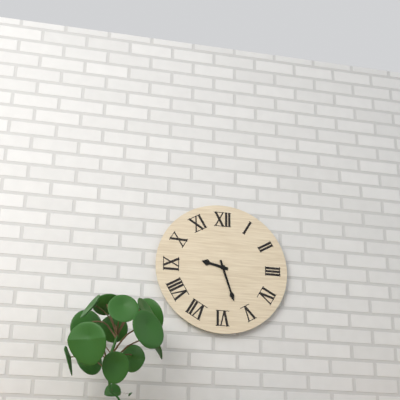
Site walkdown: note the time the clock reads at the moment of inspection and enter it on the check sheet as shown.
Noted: 9:27
